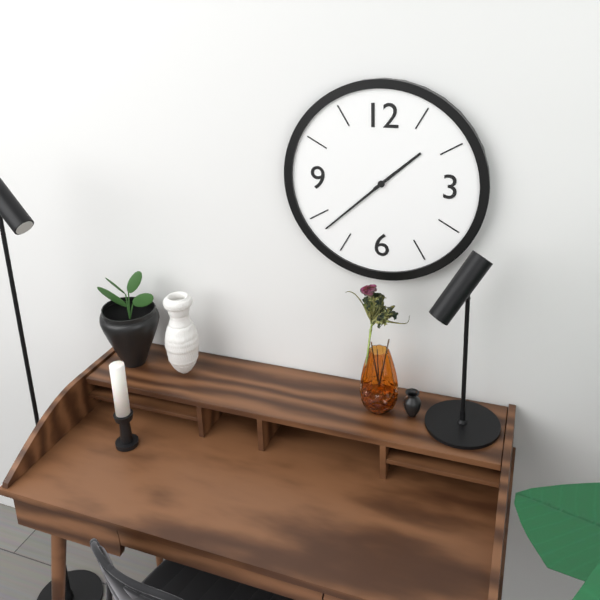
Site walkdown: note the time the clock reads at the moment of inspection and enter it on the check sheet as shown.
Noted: 1:38
